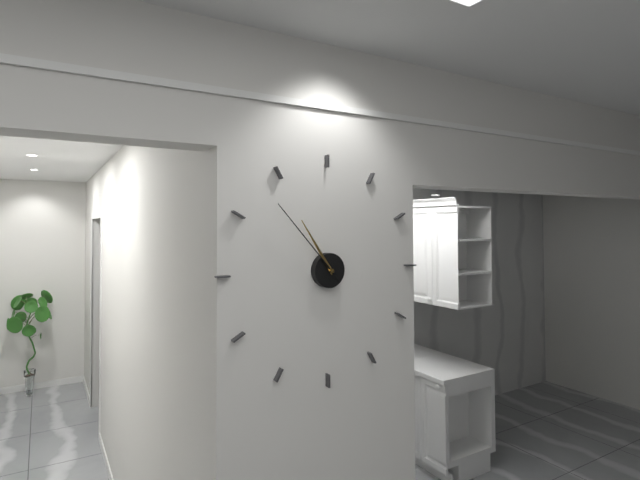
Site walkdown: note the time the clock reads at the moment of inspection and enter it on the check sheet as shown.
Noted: 10:53
